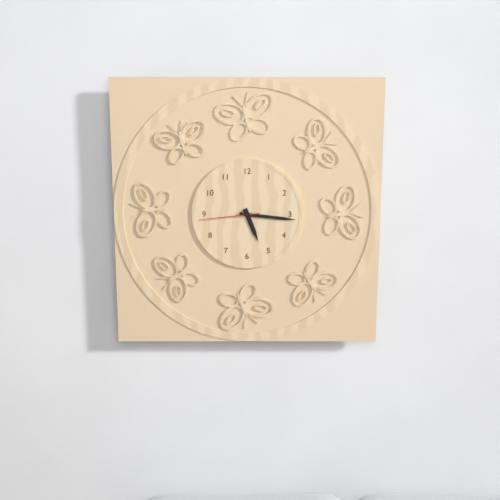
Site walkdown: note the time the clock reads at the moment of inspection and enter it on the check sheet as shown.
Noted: 5:16:44
